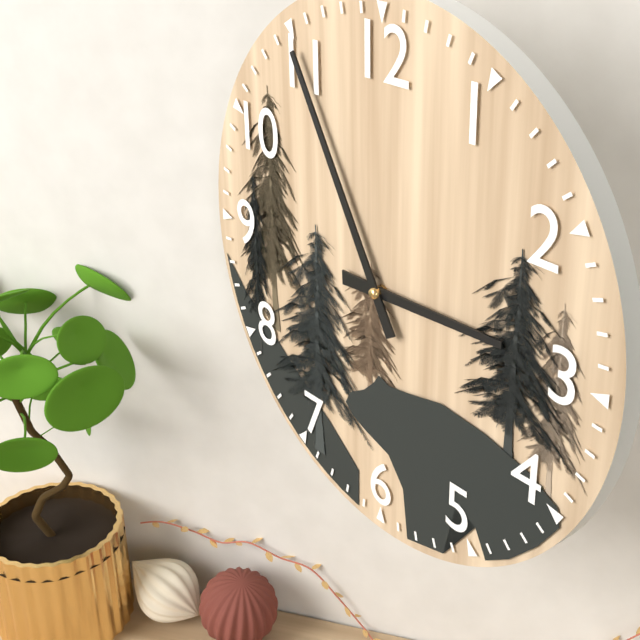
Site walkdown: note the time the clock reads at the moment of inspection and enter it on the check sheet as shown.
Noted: 2:55
